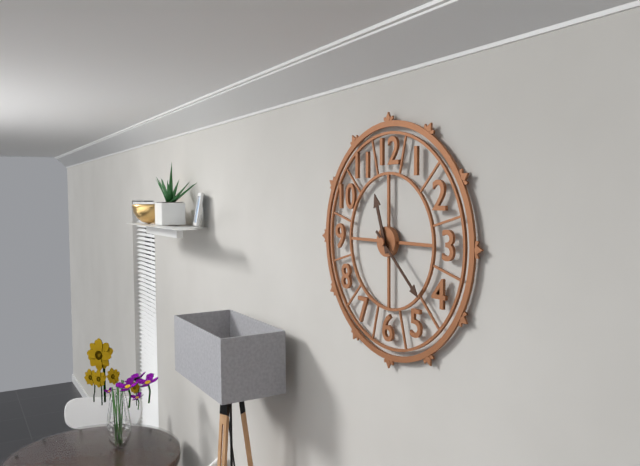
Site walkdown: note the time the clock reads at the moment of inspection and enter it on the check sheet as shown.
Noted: 11:22
